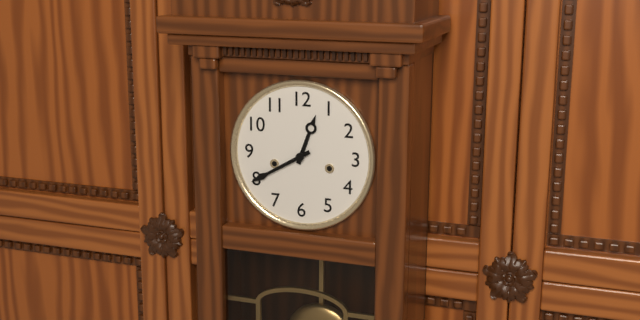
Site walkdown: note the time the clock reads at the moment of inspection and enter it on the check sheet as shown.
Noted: 12:40
